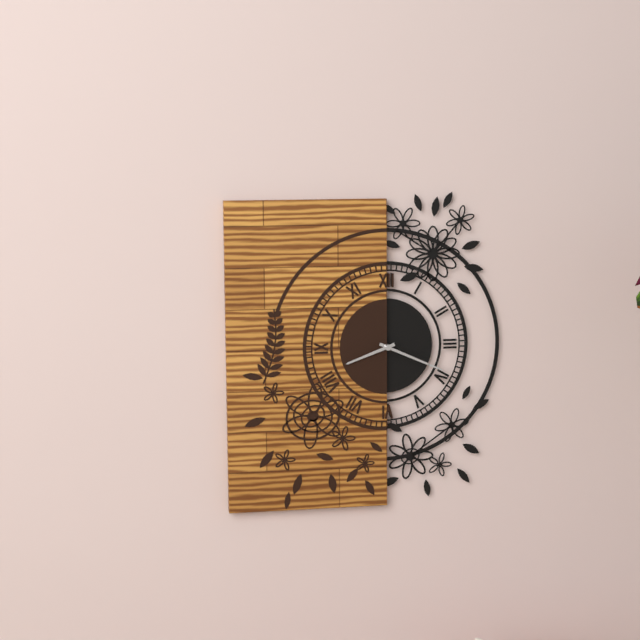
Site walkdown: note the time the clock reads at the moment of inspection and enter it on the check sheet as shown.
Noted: 8:19
